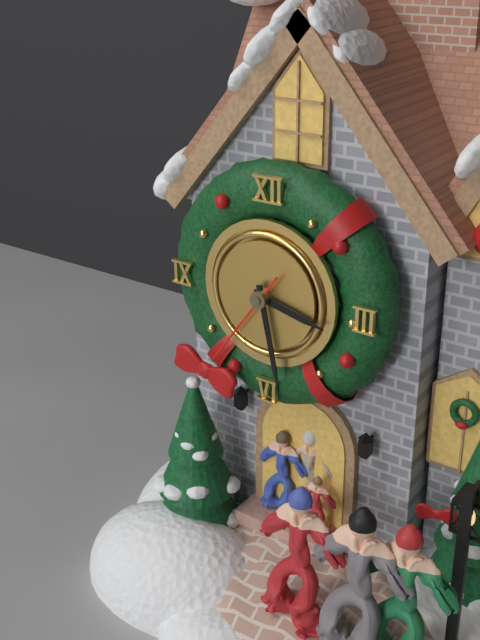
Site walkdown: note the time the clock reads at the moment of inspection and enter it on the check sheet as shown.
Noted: 3:28:36
